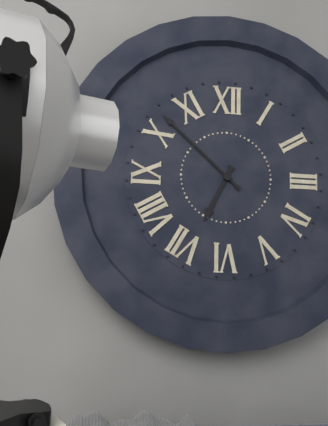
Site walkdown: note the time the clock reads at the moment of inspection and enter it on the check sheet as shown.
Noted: 6:52
